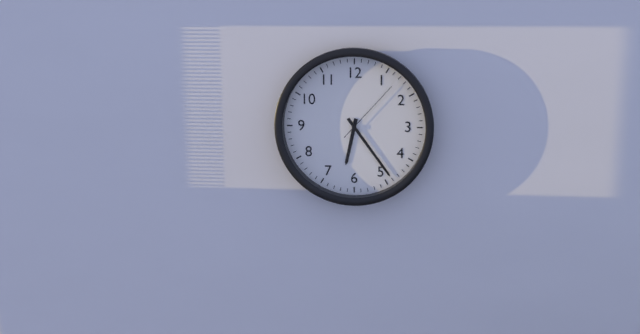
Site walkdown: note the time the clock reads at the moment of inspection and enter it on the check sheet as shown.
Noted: 6:24:07
